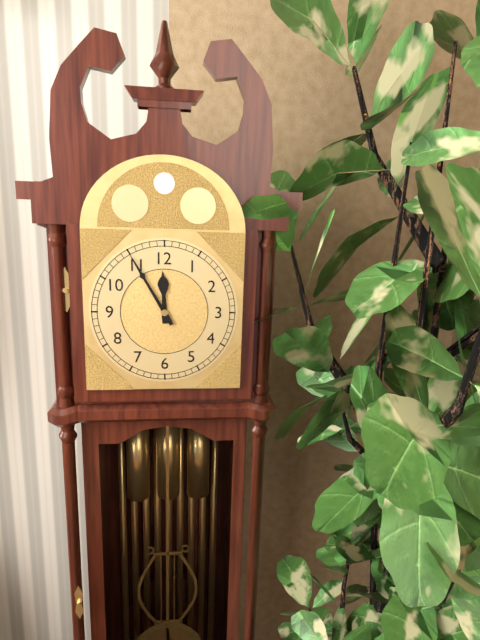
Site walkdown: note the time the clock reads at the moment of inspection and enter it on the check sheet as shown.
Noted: 11:55
